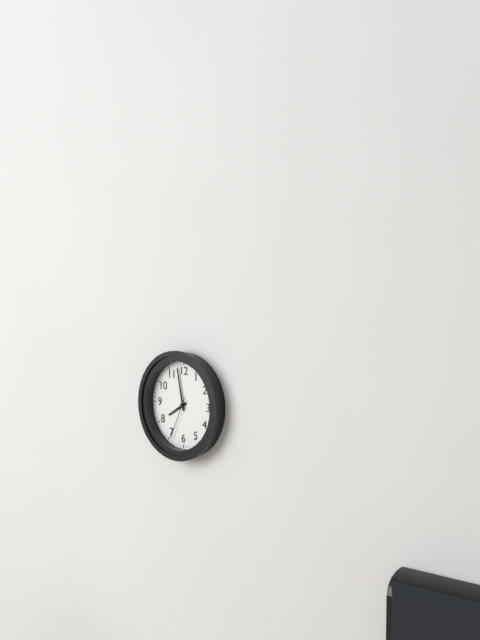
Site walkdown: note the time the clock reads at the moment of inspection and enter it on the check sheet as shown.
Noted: 7:58
